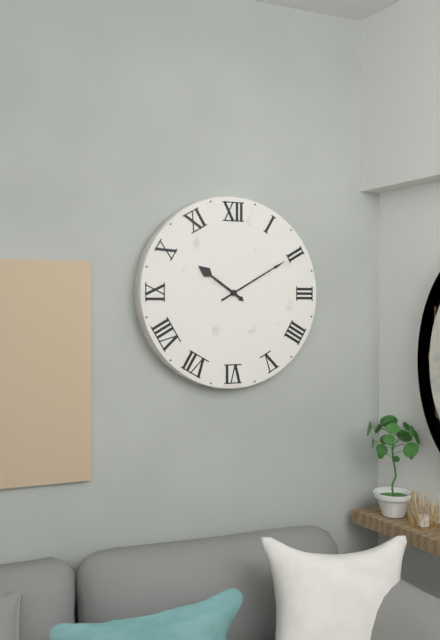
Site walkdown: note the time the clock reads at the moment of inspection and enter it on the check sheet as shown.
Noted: 10:10
